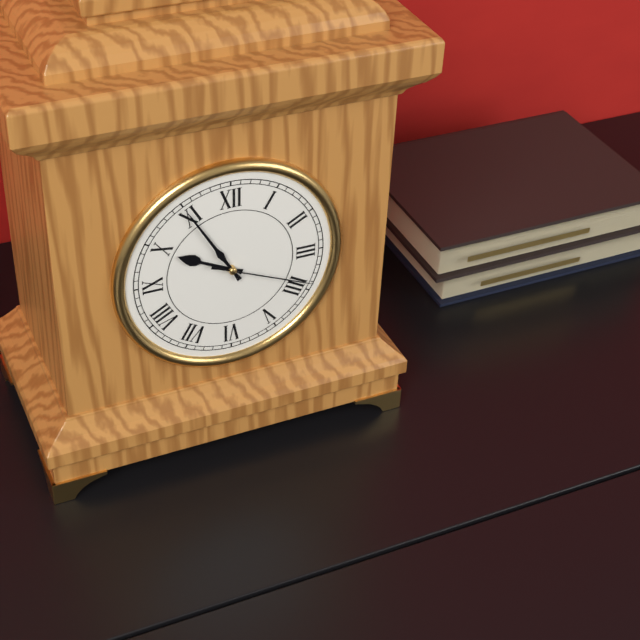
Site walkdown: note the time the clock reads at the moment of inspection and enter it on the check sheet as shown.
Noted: 9:55:19
